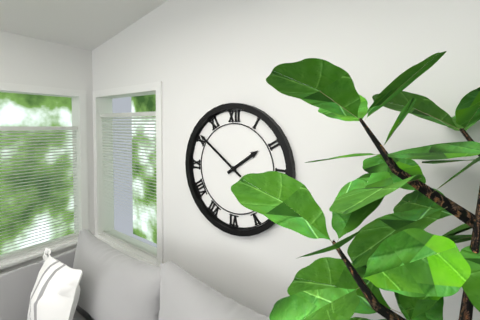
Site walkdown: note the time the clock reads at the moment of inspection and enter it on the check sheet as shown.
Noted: 1:51
